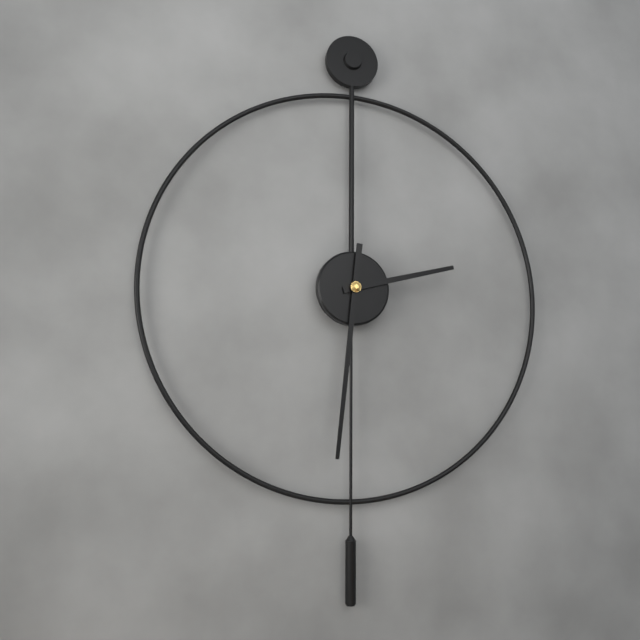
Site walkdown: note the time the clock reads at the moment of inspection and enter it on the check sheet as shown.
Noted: 2:31
